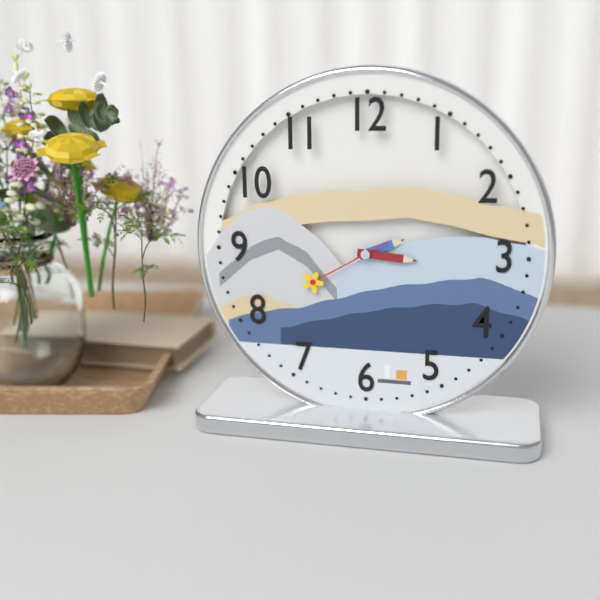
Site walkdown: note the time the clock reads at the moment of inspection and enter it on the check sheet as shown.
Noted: 2:16:40
